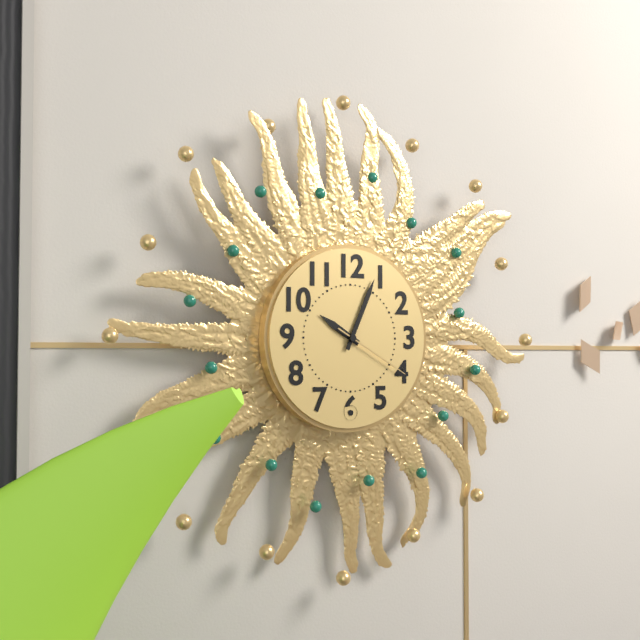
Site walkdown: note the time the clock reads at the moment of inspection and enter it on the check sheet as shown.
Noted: 10:04:20
